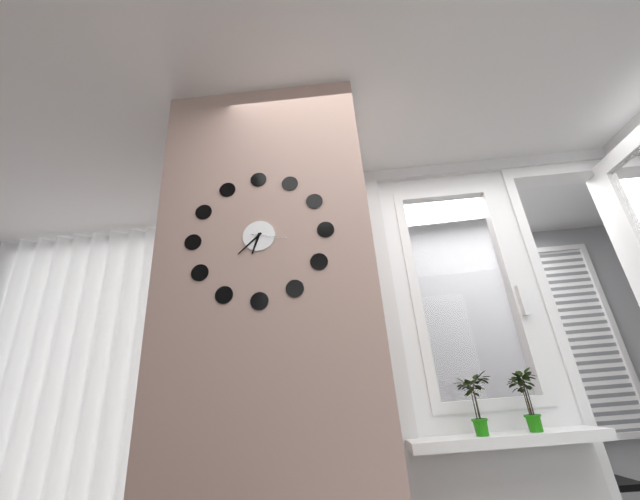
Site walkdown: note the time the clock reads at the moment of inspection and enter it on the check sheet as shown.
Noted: 6:38
